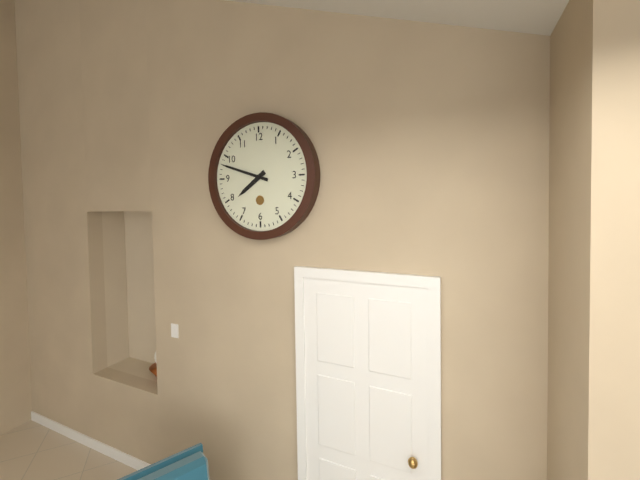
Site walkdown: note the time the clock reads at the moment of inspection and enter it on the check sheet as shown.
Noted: 7:48
